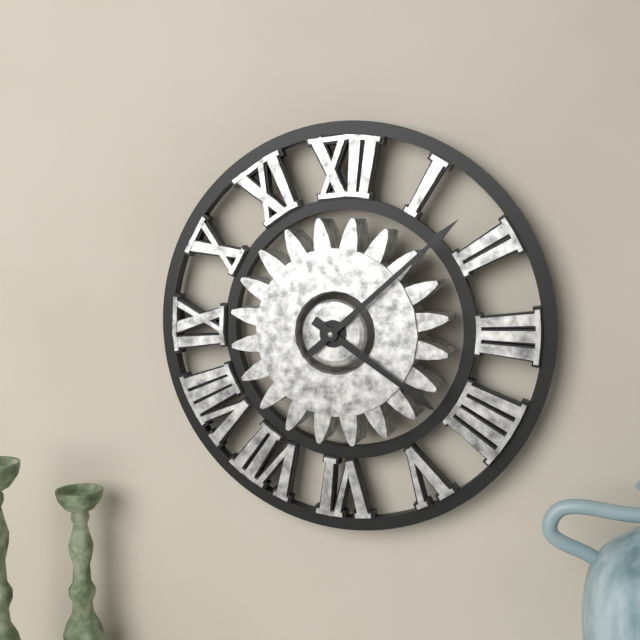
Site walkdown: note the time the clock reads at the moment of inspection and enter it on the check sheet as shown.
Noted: 4:08
